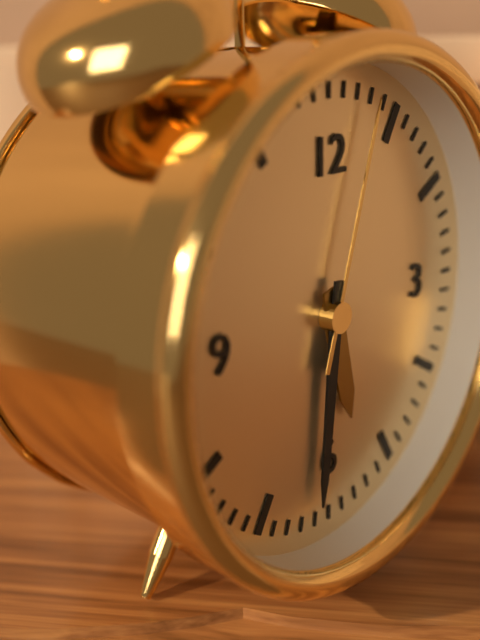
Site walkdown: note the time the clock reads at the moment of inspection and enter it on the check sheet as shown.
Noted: 5:31:03
